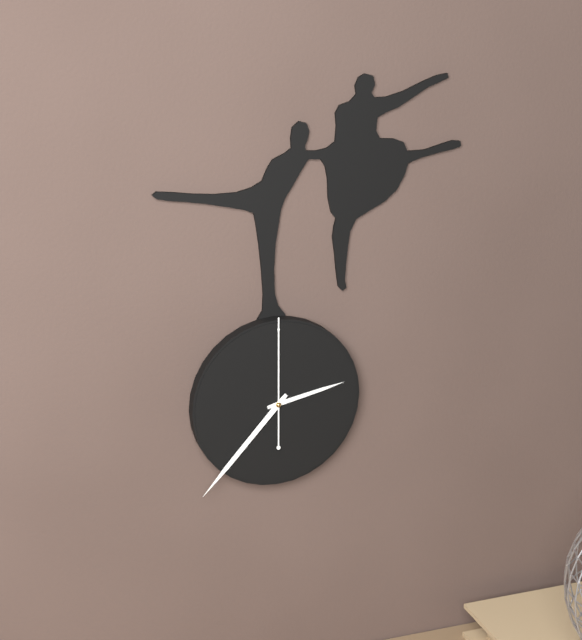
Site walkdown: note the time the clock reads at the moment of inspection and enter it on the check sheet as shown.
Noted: 2:37:00
